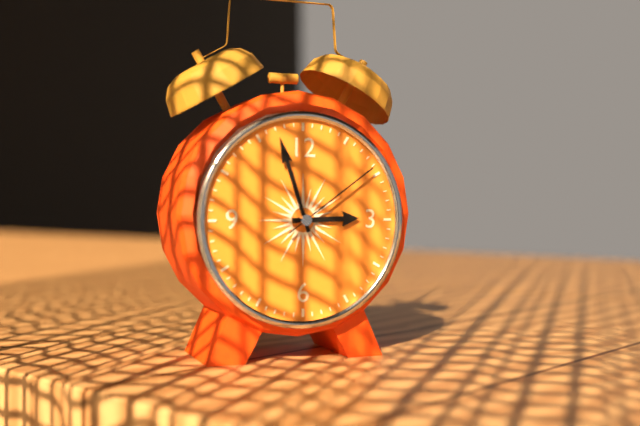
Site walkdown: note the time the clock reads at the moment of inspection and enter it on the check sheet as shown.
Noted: 2:57:09
